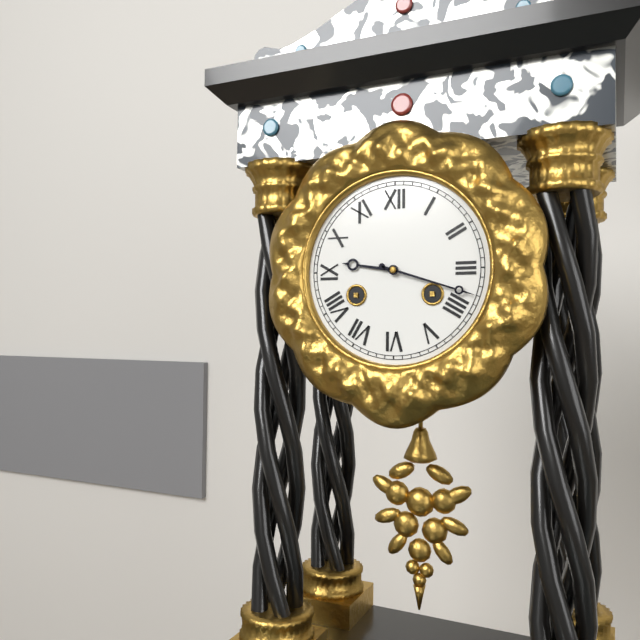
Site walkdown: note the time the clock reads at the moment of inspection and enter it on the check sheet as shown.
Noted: 9:18
